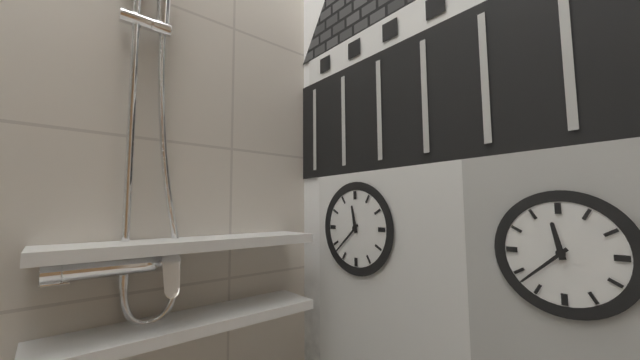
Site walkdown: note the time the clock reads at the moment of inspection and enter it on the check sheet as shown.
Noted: 11:38
